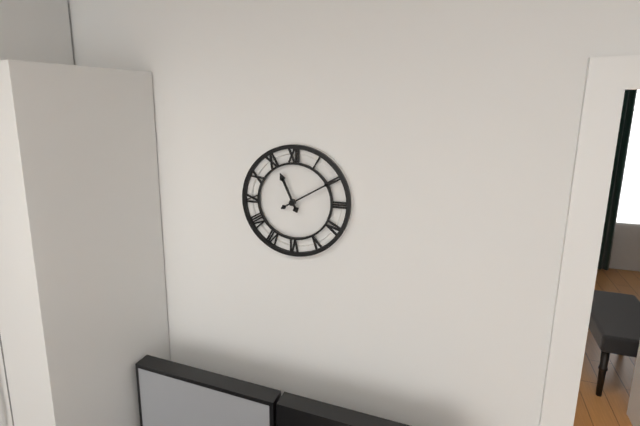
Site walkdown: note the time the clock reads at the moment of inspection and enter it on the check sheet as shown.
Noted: 11:10
